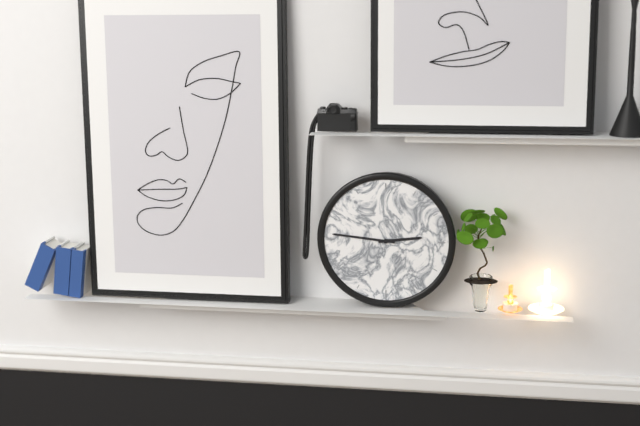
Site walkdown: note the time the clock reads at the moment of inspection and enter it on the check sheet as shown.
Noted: 2:46
